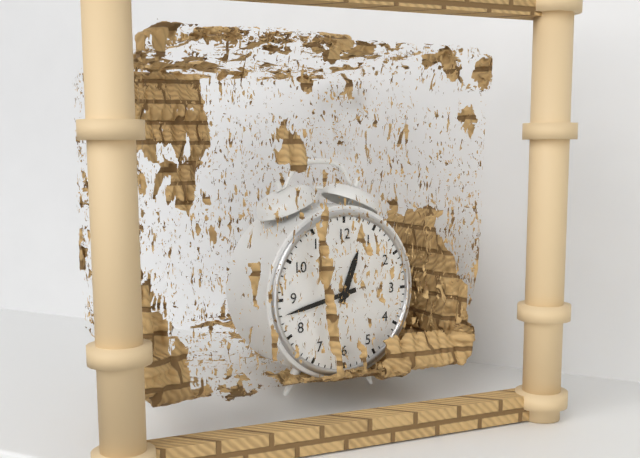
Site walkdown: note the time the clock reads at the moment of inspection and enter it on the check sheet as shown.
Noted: 12:43
